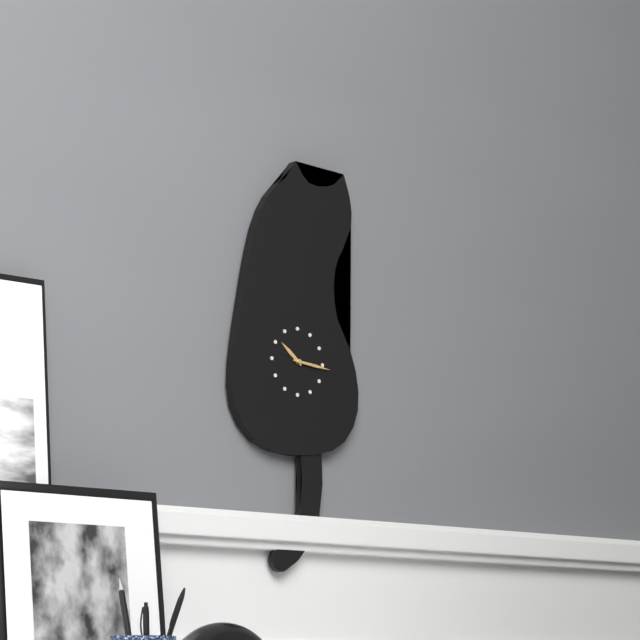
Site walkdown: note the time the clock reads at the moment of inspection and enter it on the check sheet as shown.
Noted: 10:16
